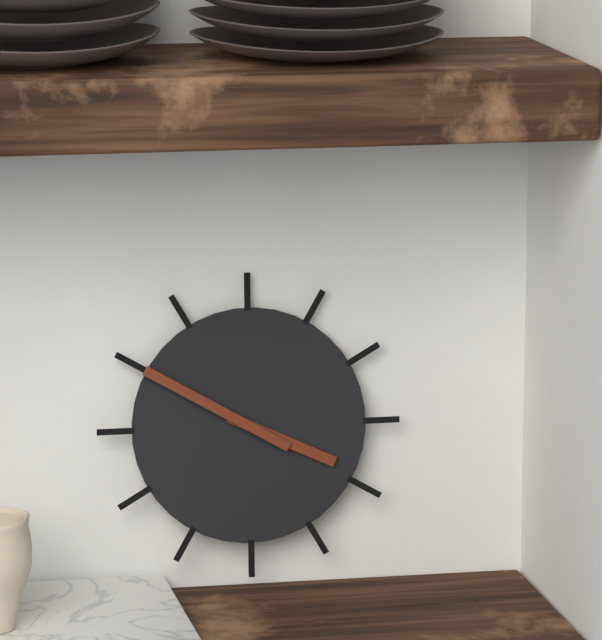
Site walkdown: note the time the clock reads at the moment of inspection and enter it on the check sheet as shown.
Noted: 3:50
